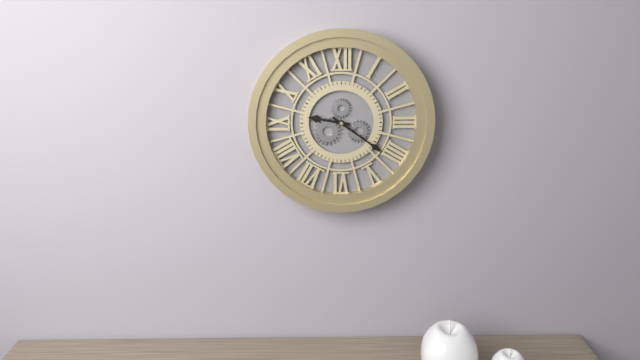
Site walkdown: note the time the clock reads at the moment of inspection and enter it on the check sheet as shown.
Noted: 9:21
